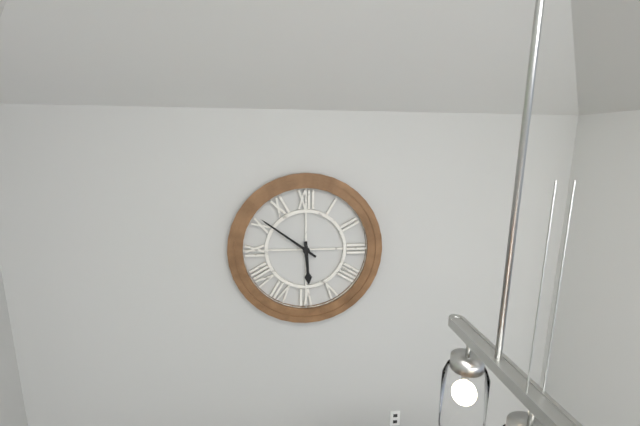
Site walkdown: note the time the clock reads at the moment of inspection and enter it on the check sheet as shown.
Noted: 5:51
